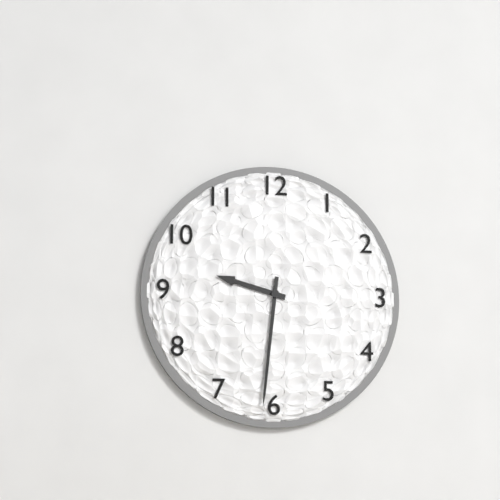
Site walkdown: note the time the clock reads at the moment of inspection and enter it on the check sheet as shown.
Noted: 9:31
